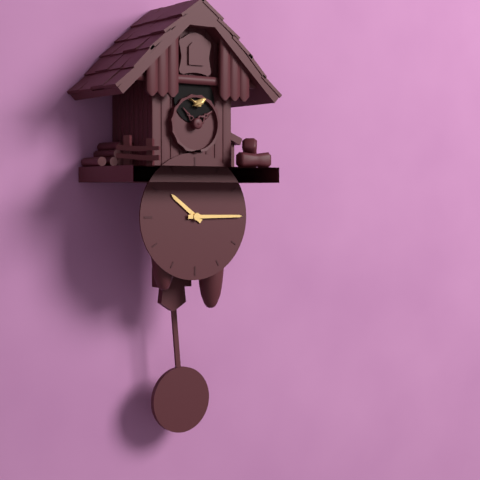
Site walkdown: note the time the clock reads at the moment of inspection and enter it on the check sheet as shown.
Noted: 10:15
